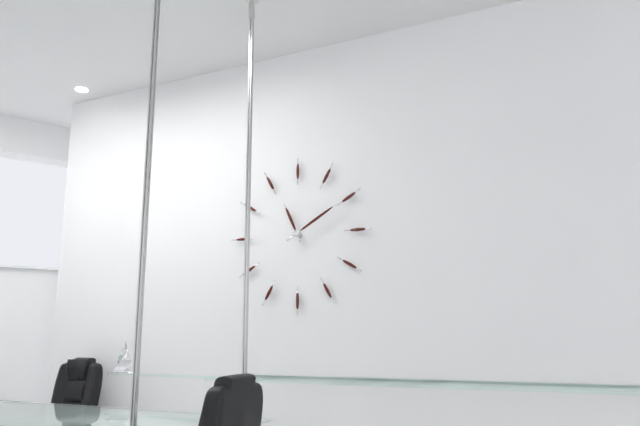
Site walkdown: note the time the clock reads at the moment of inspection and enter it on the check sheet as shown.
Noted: 11:10
